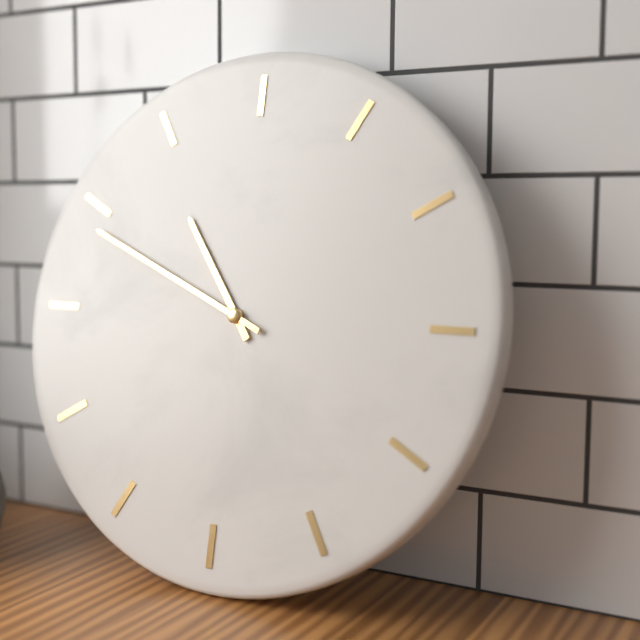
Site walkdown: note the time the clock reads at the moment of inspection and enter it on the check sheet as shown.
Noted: 10:49
